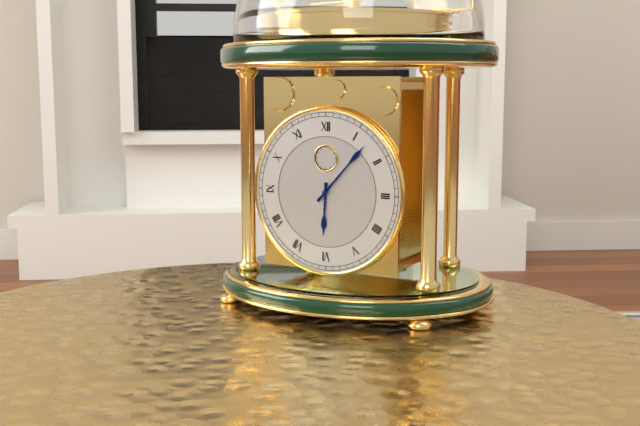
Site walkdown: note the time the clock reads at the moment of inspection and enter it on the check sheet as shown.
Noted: 6:07
